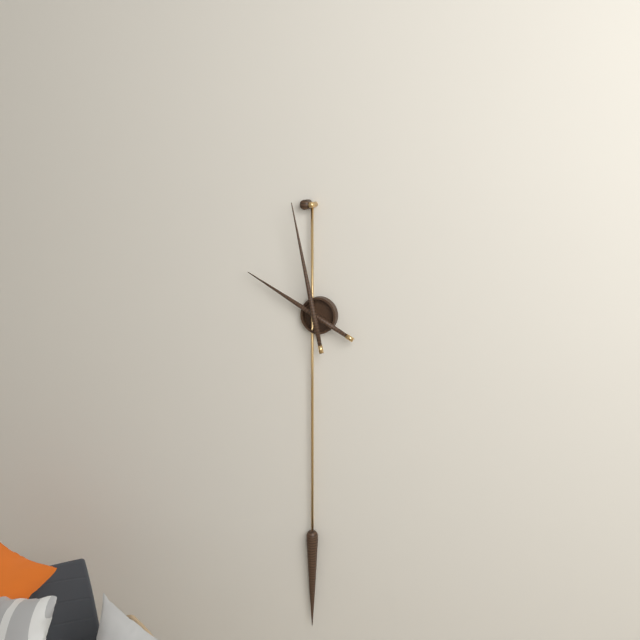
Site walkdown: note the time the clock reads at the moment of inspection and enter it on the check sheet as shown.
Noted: 9:58
